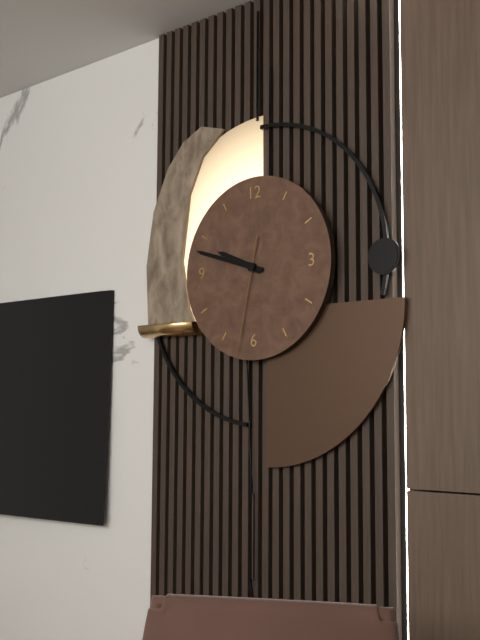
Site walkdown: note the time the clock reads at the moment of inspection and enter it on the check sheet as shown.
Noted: 9:48:32
